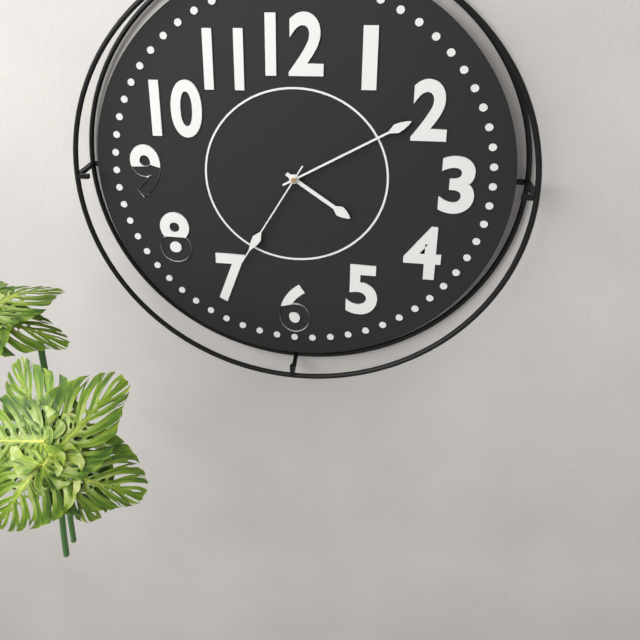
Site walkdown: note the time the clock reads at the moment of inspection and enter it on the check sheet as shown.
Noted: 4:10:35
